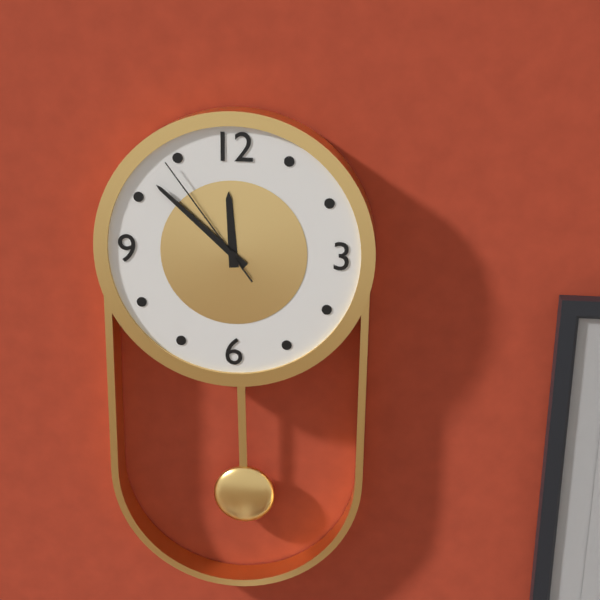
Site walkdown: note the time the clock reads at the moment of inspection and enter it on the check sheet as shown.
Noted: 11:52:54
